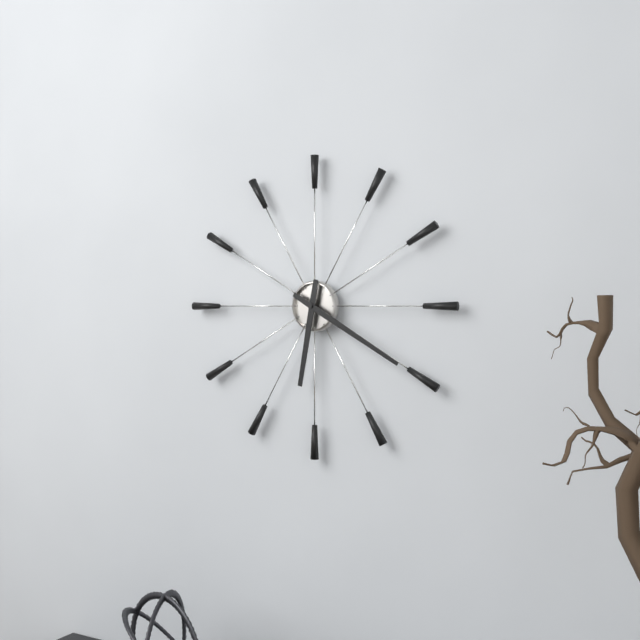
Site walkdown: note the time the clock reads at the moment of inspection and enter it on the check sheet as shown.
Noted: 6:20
